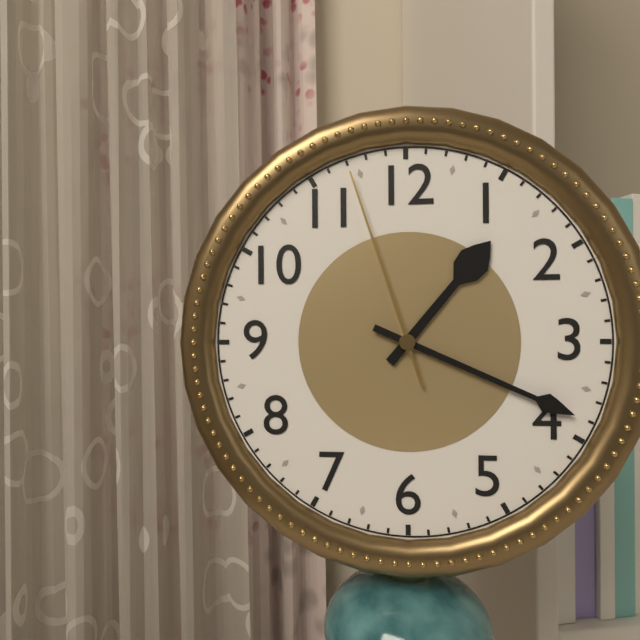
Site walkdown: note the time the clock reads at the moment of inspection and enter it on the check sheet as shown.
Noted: 1:19:57
